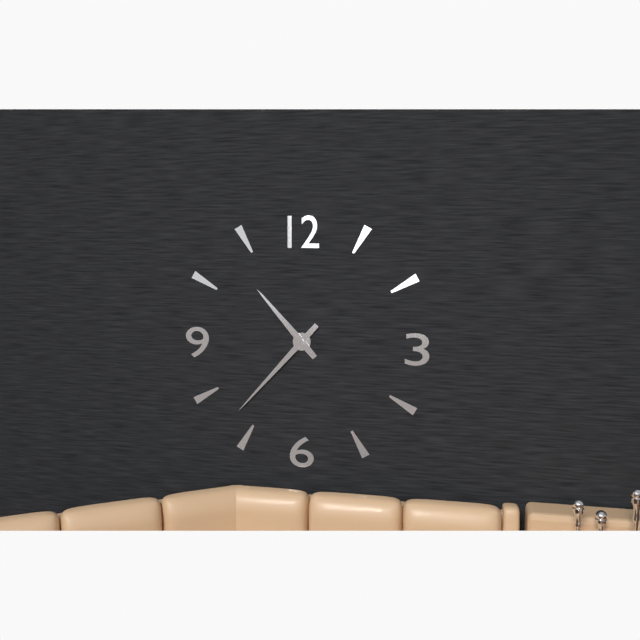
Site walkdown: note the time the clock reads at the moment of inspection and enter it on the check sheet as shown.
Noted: 10:37
